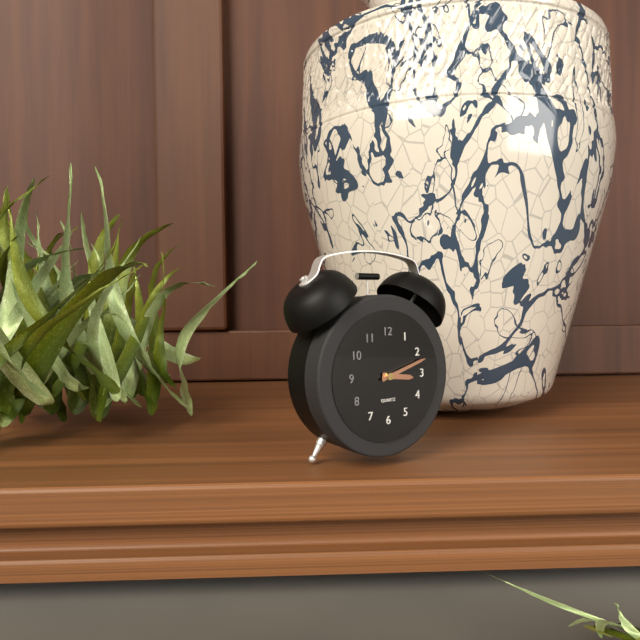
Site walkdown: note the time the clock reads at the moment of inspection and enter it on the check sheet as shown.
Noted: 3:12
